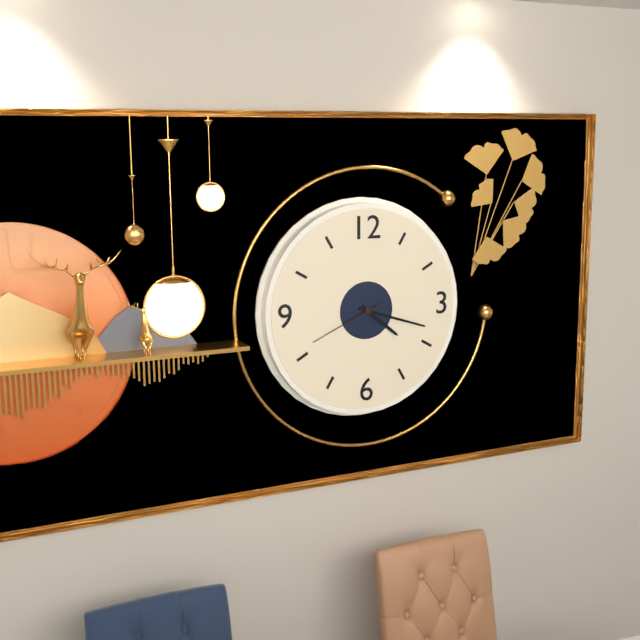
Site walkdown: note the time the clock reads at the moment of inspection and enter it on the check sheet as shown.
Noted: 4:18:41
